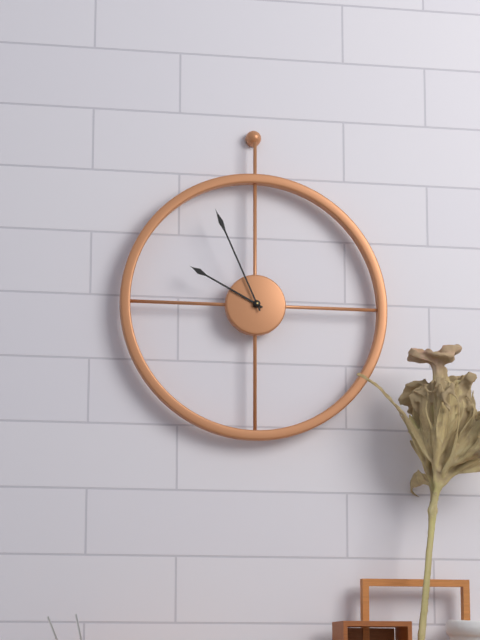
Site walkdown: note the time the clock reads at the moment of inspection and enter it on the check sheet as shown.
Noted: 9:56
